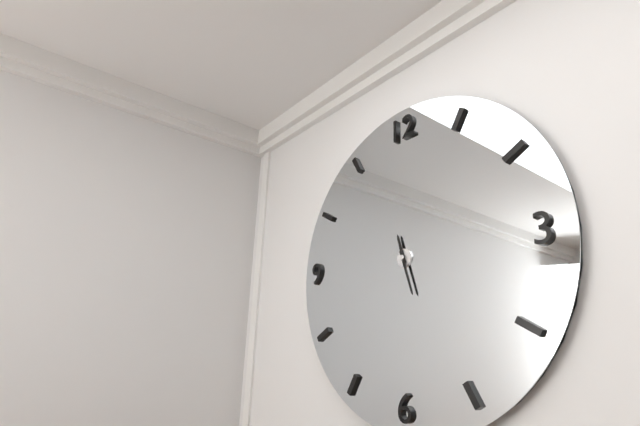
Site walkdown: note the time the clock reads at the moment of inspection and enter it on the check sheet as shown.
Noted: 11:27
